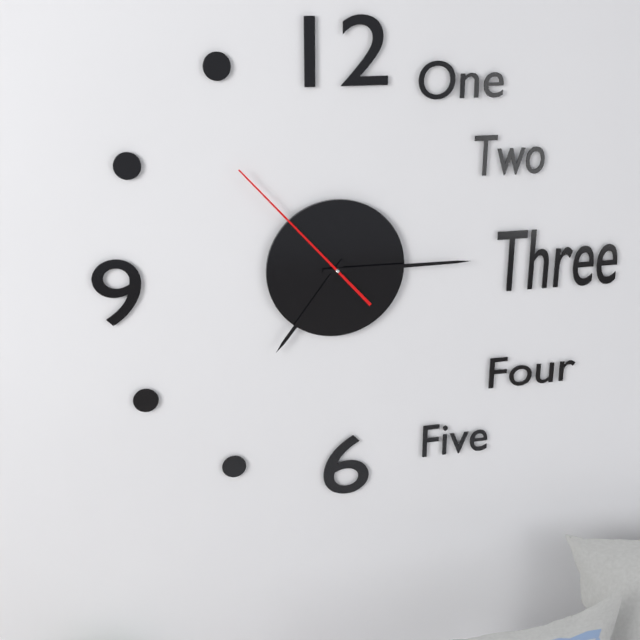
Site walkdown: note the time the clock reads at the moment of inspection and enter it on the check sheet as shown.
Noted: 7:15:53
